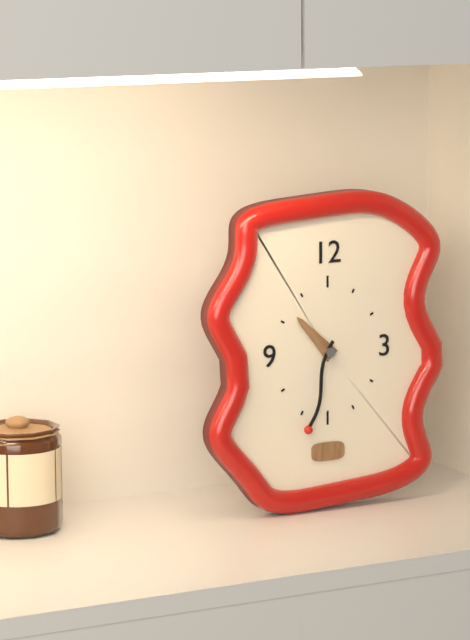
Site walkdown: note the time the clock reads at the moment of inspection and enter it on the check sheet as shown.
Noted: 10:33
